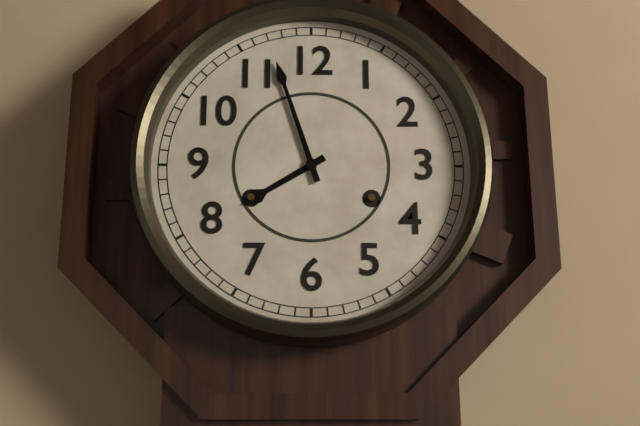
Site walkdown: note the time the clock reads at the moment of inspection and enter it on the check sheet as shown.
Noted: 7:57
